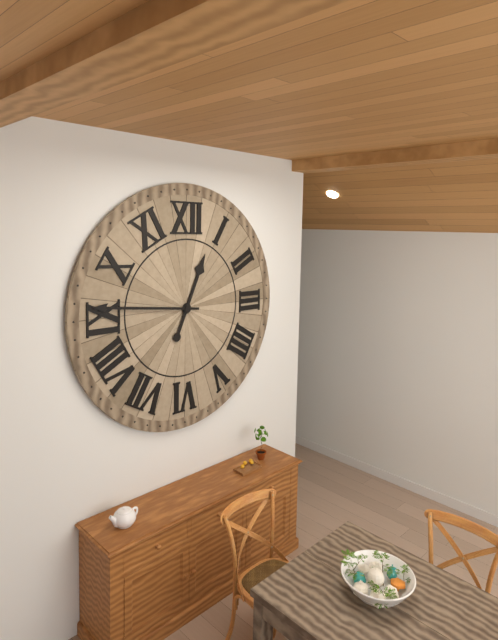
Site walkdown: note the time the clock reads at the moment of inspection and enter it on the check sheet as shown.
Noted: 12:46
